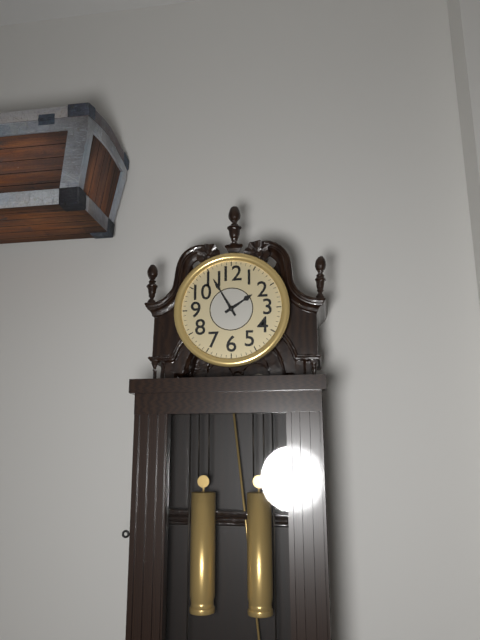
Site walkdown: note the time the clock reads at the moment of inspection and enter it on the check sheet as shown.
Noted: 1:55
